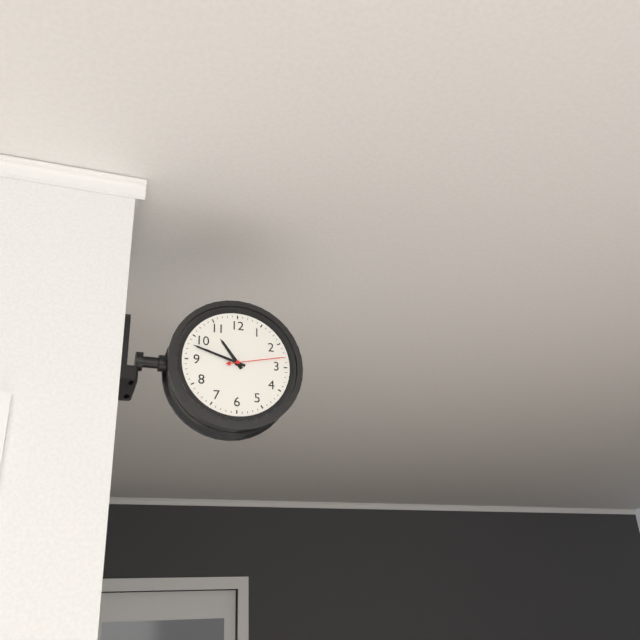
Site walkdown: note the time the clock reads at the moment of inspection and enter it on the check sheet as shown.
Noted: 10:48:13
